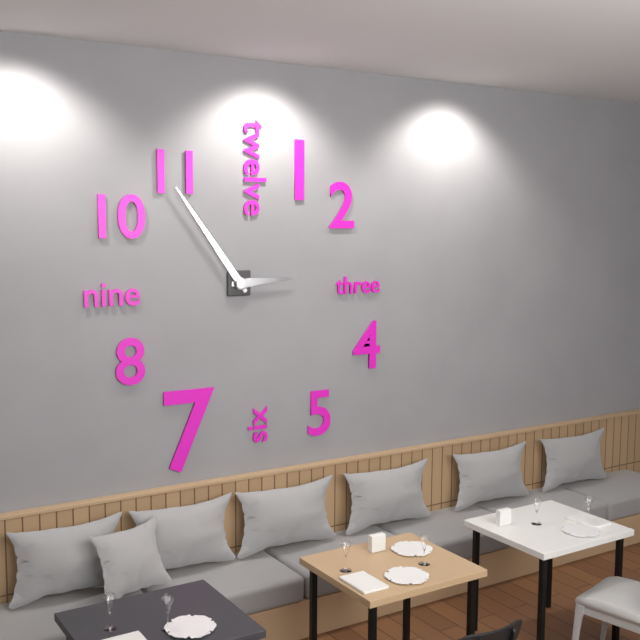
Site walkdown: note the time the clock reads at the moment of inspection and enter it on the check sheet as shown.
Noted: 2:54
